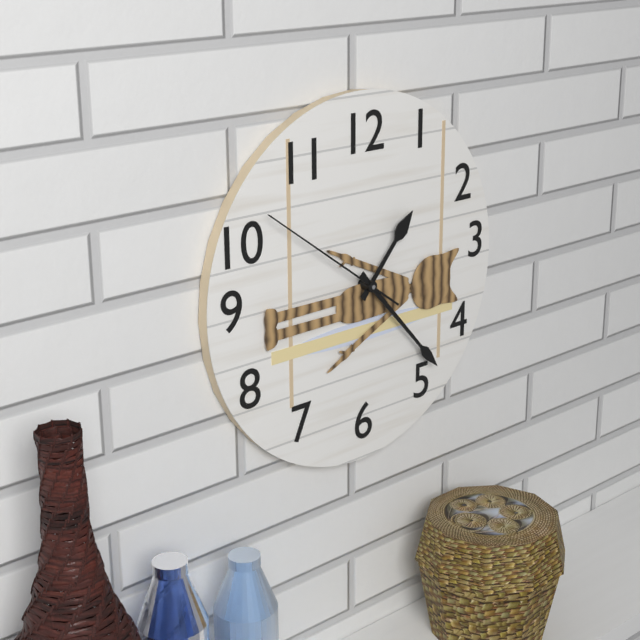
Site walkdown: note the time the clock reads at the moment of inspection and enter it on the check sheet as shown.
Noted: 1:23:51
